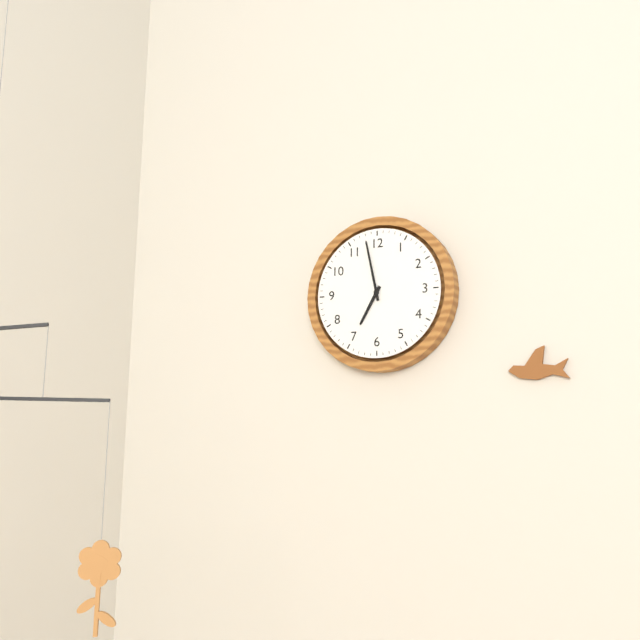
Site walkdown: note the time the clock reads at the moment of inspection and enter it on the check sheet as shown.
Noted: 6:58
